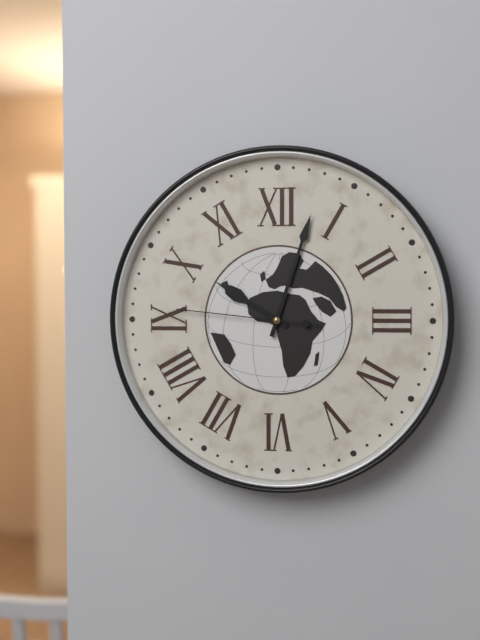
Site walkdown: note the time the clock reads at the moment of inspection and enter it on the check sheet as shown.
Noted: 10:03:46
